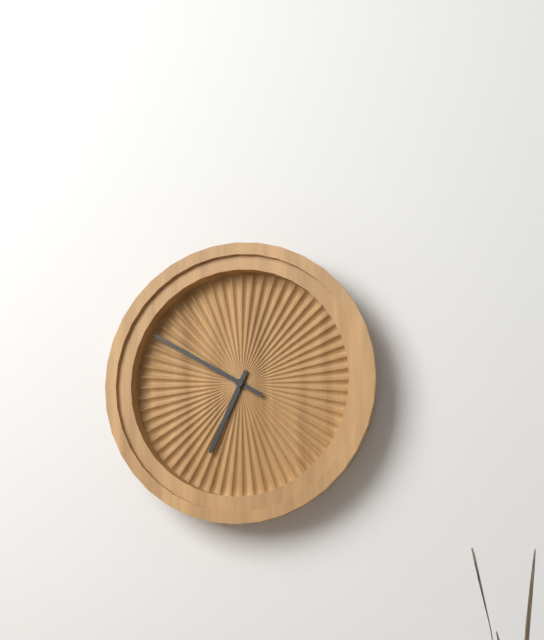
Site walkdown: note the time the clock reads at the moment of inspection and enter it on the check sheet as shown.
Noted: 6:50
